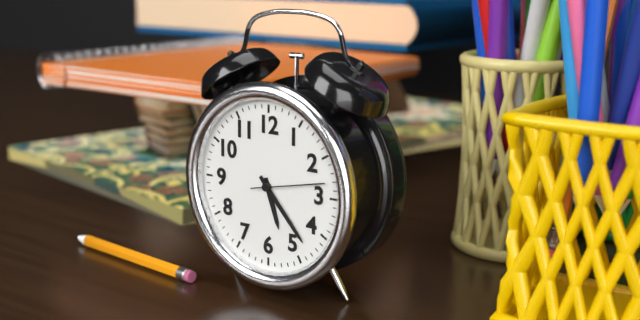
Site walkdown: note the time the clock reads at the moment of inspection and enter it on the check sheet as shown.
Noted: 5:23:13
